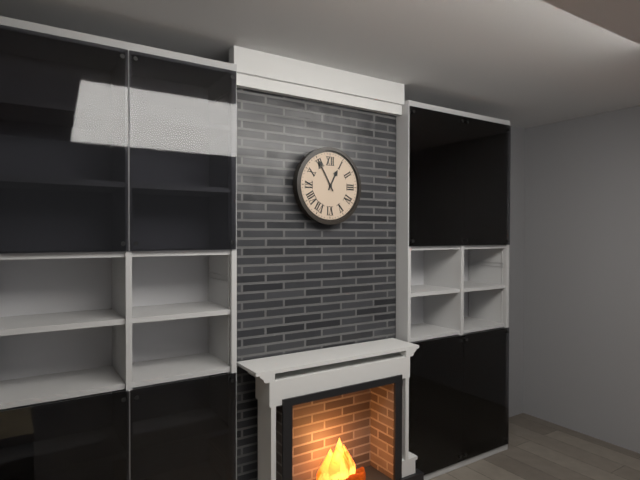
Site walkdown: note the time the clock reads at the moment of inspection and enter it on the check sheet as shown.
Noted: 12:55
